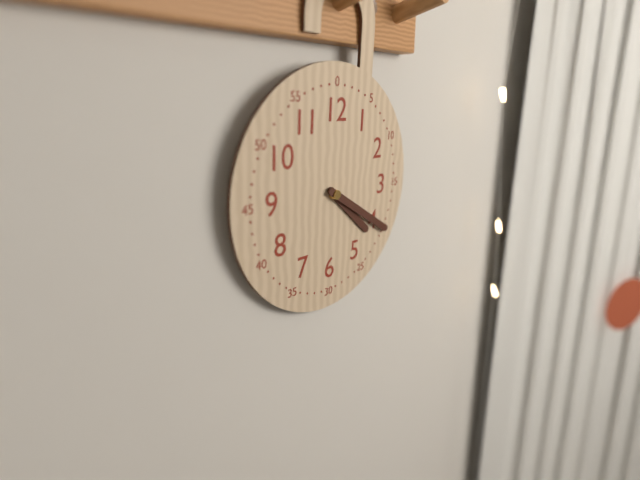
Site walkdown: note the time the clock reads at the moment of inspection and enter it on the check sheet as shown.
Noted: 4:20
